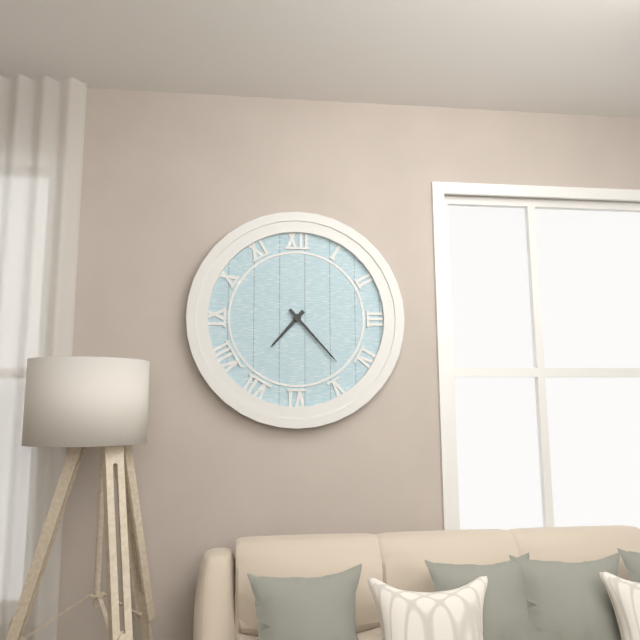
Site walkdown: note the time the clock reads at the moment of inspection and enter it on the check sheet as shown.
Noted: 7:23
